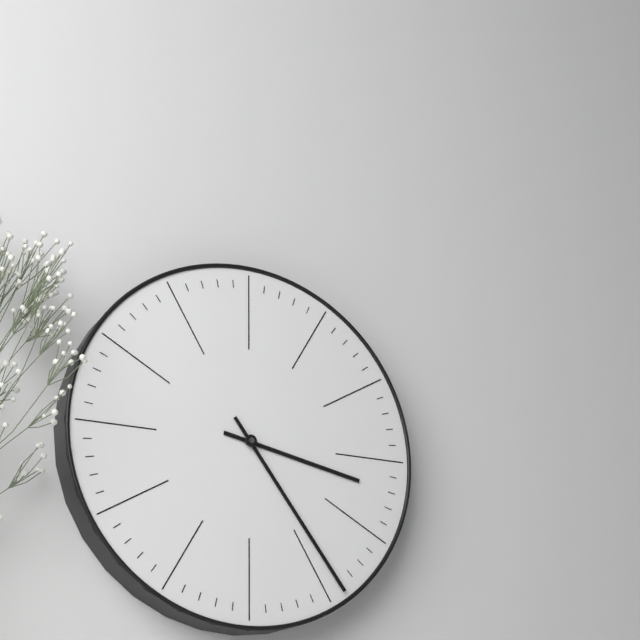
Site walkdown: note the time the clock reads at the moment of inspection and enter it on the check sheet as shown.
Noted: 3:24
